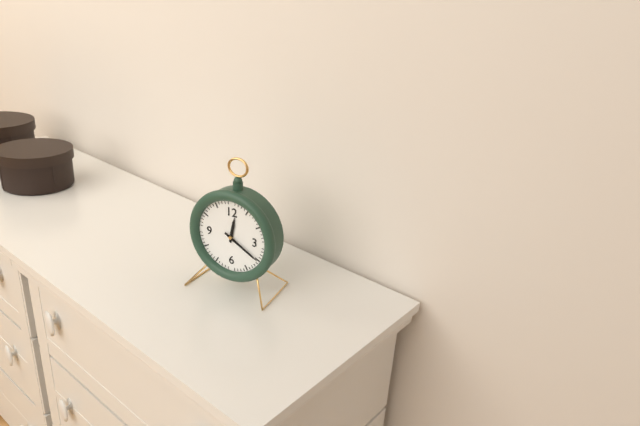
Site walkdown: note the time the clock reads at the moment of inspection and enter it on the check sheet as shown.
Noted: 12:20
